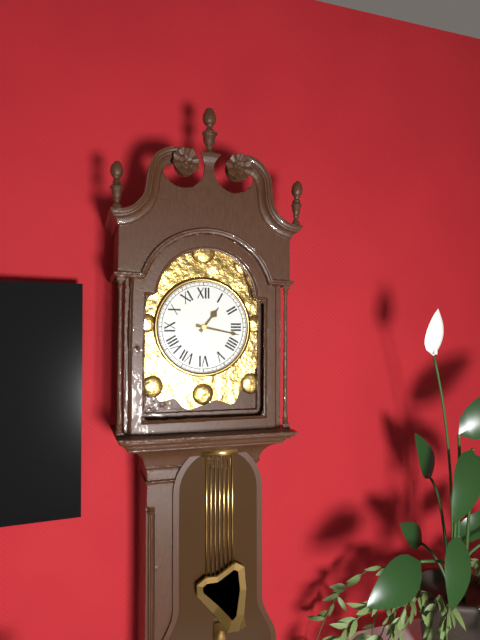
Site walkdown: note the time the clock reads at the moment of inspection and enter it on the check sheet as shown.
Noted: 1:17
